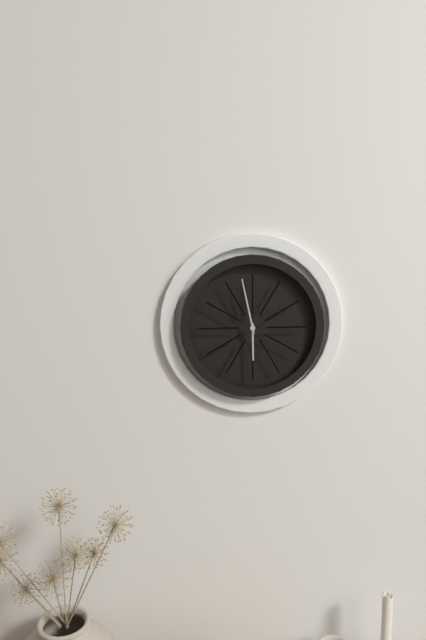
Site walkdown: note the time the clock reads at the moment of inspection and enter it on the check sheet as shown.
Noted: 5:58
